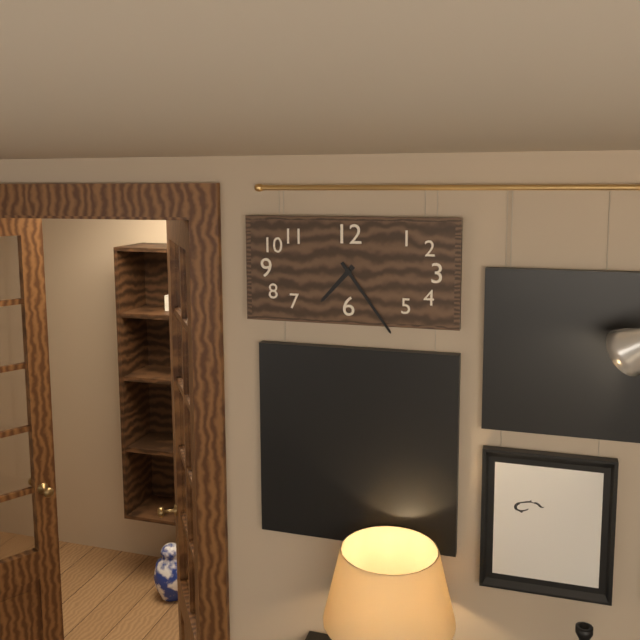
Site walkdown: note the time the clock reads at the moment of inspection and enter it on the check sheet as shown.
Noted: 7:24
